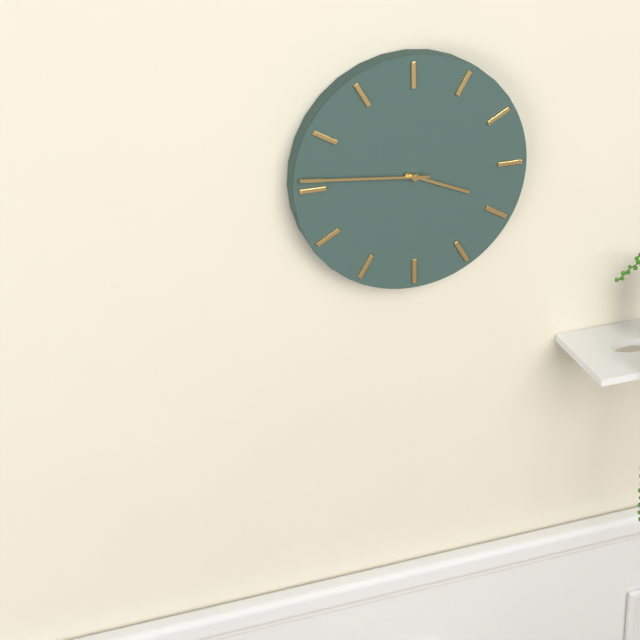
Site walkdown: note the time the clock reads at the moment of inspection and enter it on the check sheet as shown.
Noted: 3:46
